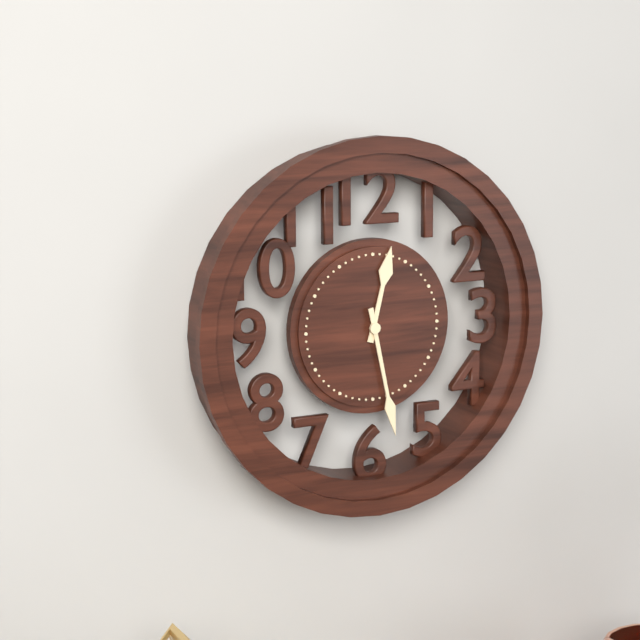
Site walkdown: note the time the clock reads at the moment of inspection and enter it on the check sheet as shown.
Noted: 12:28
